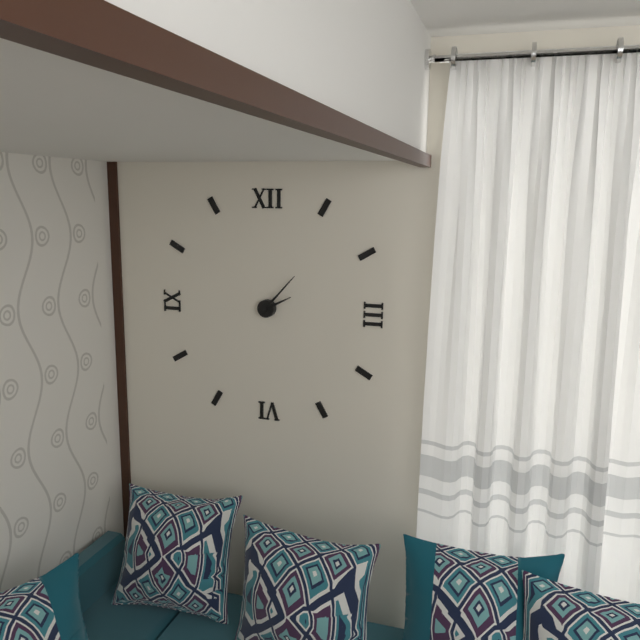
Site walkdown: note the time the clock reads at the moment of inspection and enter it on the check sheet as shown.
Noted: 2:07
